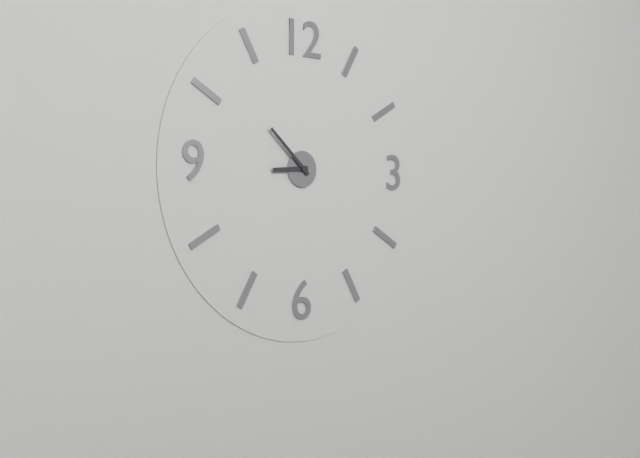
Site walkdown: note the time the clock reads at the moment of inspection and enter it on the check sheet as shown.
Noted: 8:52
